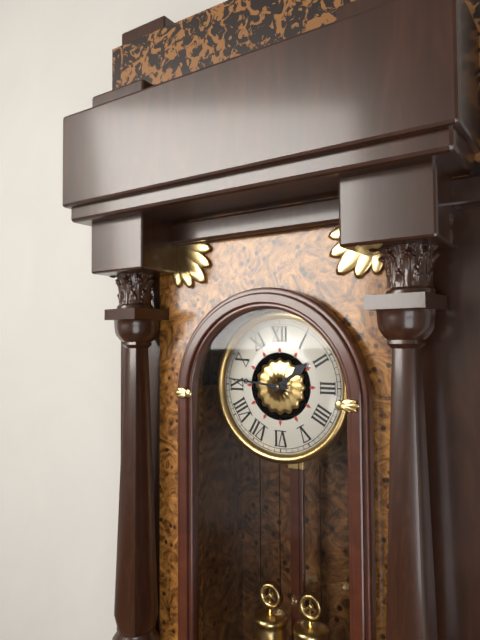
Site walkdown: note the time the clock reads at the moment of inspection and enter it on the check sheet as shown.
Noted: 1:46
